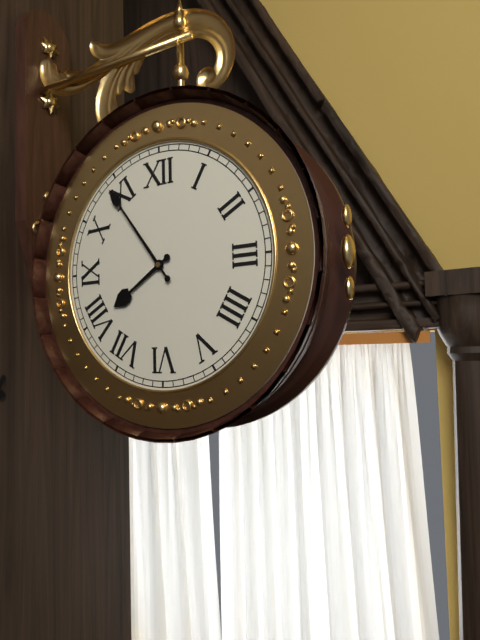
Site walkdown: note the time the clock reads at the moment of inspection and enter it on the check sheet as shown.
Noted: 7:54
